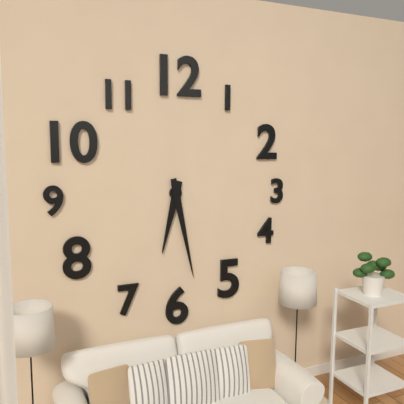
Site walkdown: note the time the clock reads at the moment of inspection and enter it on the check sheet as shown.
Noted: 6:28
